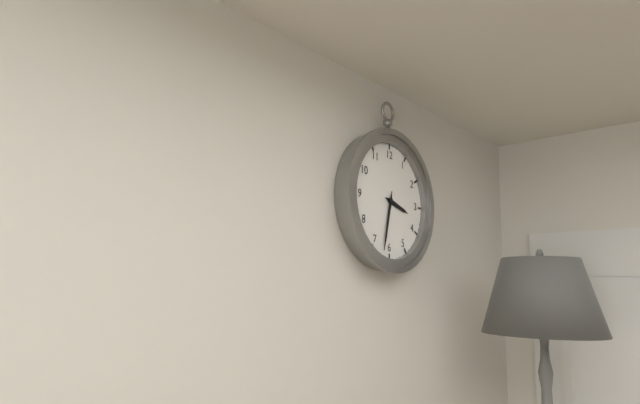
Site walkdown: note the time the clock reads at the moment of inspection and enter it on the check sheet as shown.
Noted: 3:32
